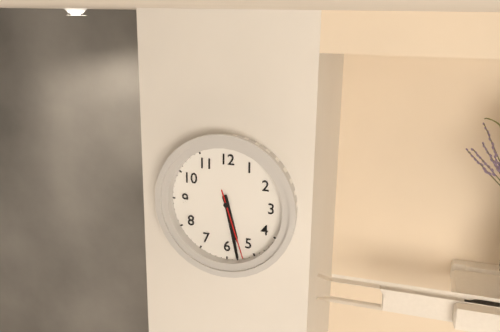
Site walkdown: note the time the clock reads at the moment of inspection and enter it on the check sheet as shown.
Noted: 5:28:27
